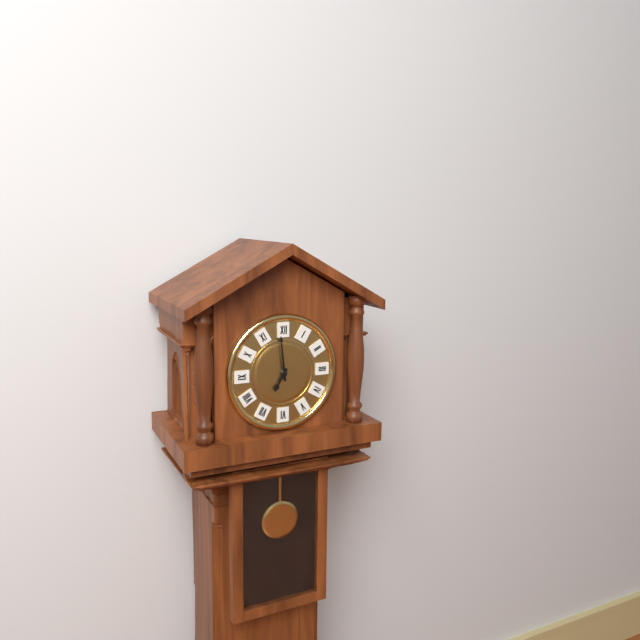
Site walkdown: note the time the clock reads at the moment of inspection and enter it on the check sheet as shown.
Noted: 6:59
